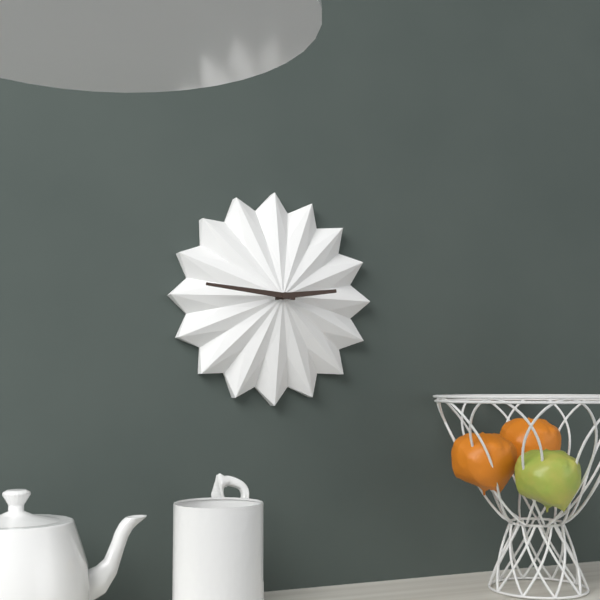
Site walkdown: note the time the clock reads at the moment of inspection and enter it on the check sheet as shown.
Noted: 2:46
